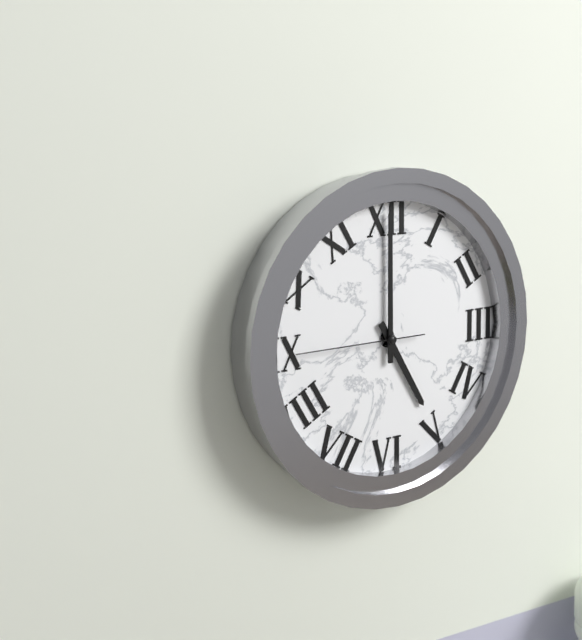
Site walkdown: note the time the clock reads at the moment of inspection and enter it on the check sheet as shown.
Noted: 5:00:45
